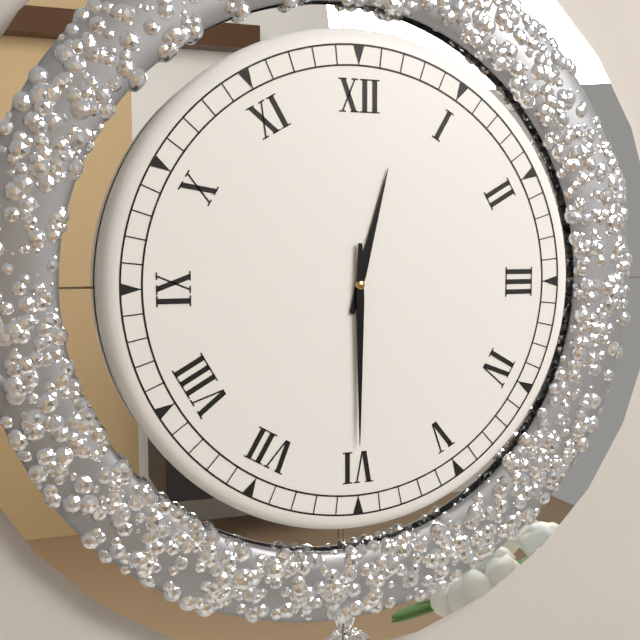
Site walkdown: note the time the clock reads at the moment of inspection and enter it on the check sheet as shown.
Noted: 12:30
